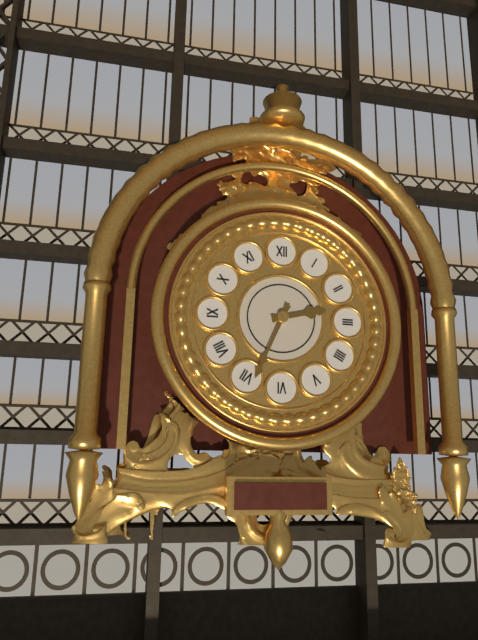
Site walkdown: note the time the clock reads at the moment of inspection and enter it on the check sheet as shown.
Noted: 2:34
